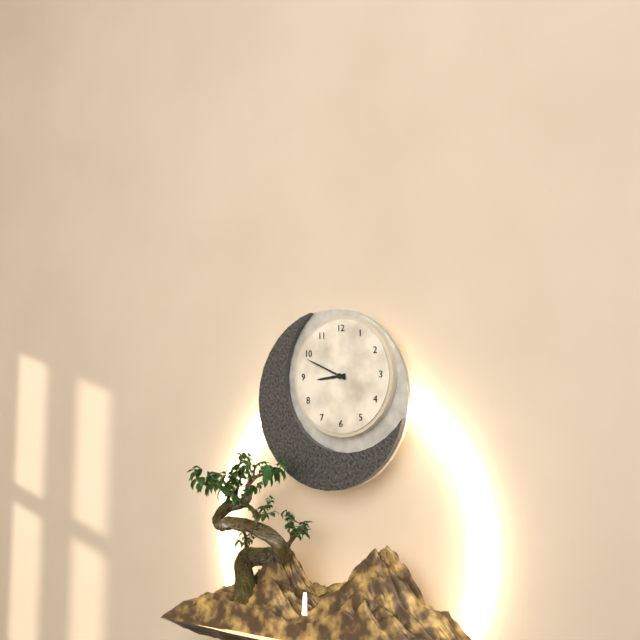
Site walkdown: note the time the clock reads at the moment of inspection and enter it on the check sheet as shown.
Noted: 8:49
